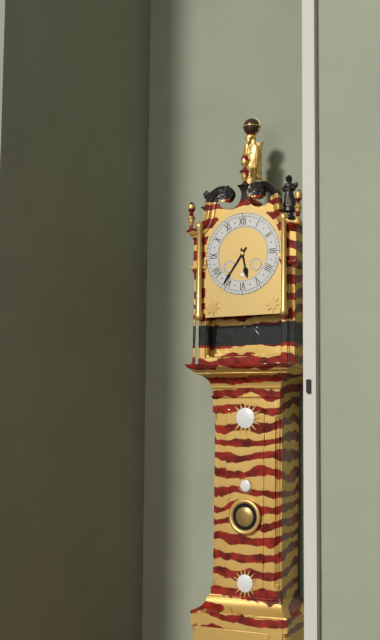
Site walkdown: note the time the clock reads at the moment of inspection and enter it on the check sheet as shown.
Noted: 5:36
